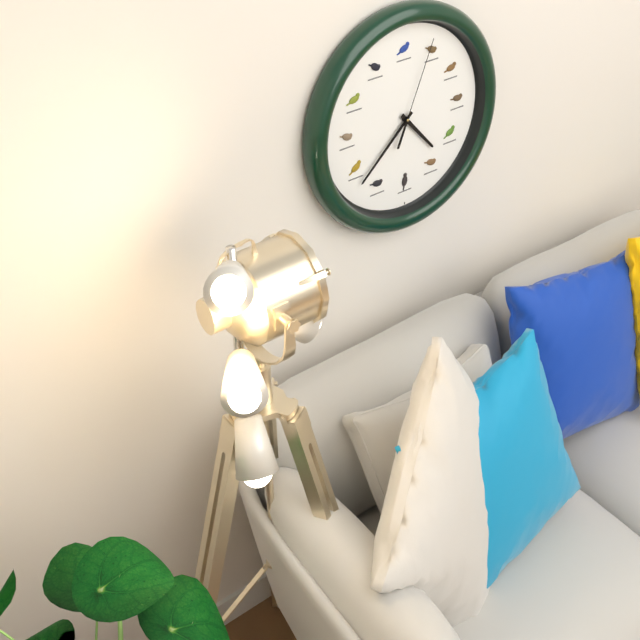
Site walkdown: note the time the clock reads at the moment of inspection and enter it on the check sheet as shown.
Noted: 4:38:04
